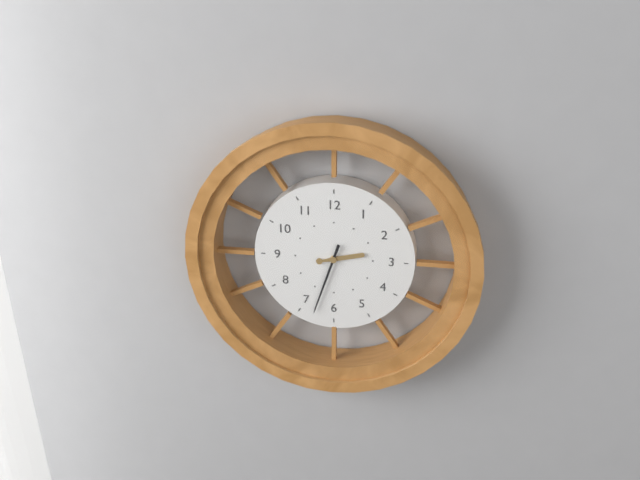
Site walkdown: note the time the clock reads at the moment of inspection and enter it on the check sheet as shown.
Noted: 2:33
